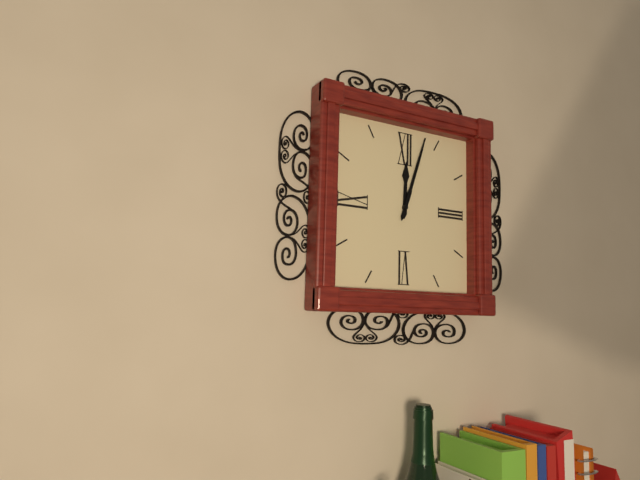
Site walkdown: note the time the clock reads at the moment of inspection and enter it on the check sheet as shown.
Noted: 12:03
